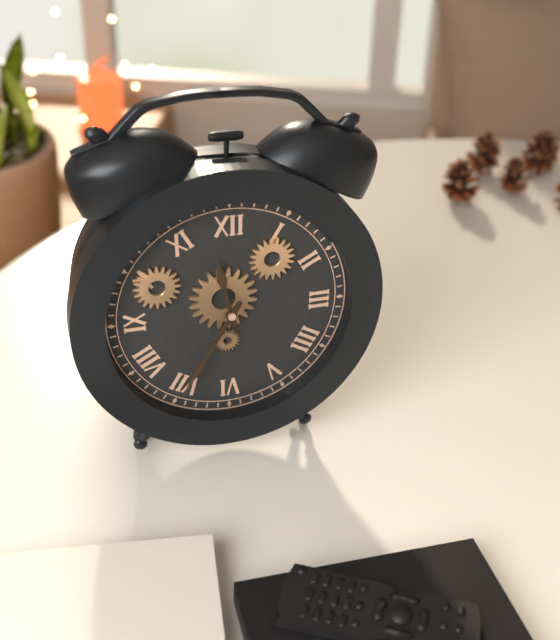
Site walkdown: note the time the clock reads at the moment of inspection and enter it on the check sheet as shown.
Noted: 11:35
